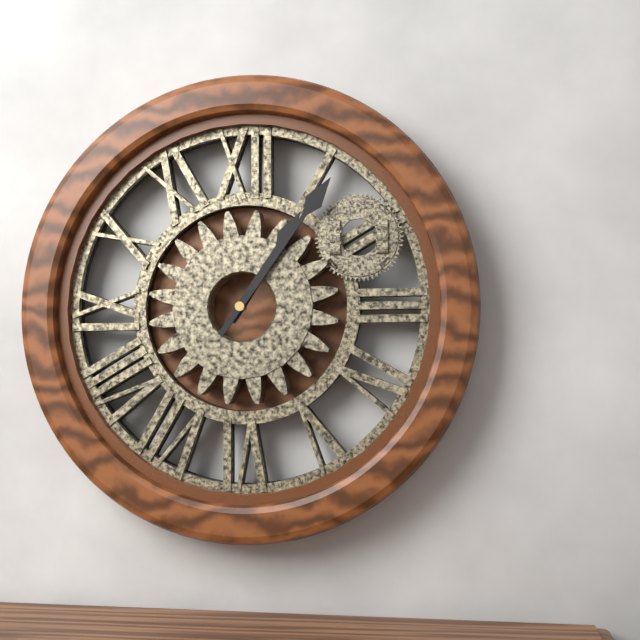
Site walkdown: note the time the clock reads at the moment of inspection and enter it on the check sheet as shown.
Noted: 1:06
